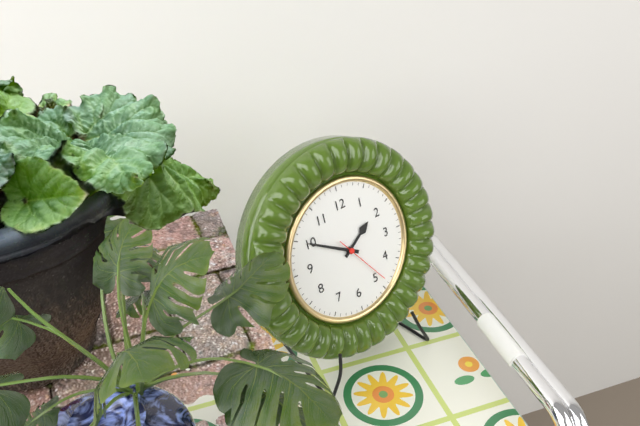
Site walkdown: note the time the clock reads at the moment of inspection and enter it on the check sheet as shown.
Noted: 1:50:24
